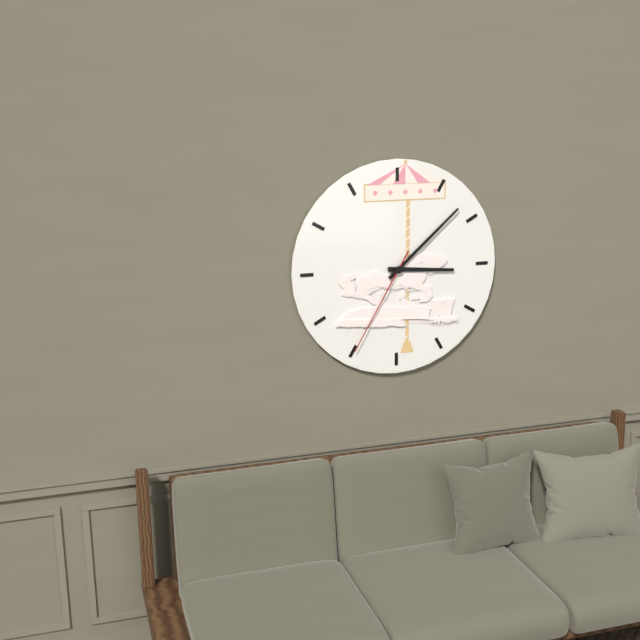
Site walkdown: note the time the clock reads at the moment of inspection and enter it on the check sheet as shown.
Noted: 3:08:35
